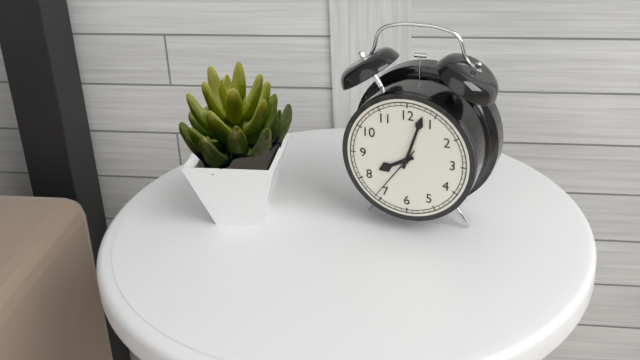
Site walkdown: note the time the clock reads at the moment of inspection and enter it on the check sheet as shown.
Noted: 8:03:36
